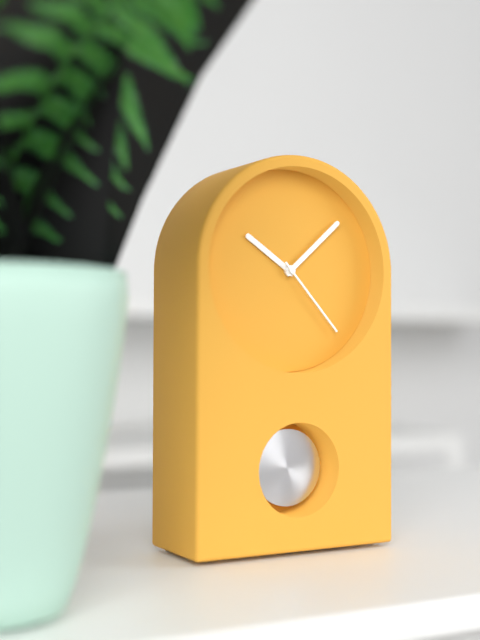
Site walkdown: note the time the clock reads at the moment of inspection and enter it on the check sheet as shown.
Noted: 10:08:23
